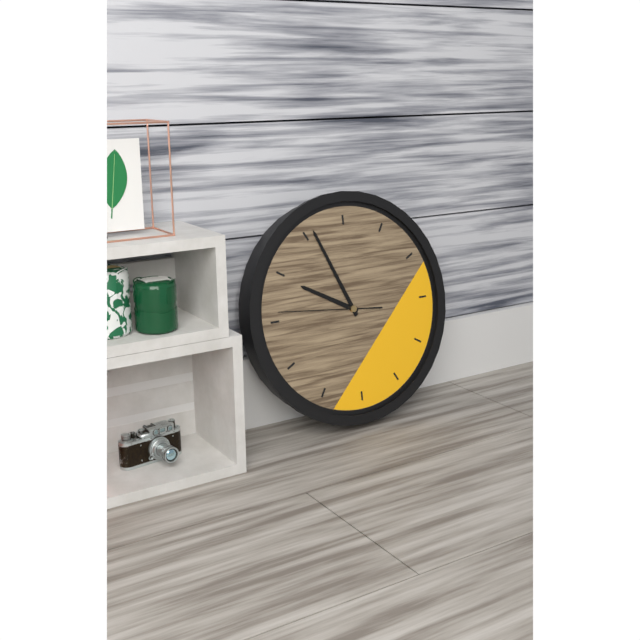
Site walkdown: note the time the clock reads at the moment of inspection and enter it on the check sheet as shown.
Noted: 9:56:46
